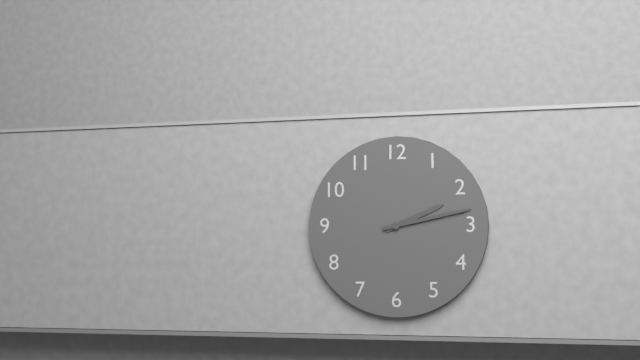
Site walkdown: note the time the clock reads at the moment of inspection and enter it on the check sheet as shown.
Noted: 2:13
